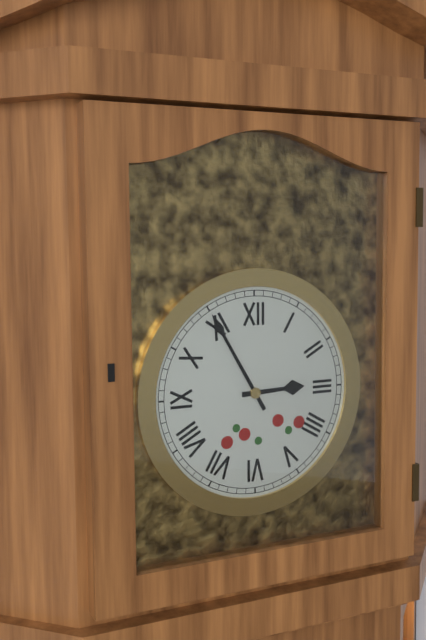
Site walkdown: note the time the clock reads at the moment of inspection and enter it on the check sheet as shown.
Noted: 2:55
